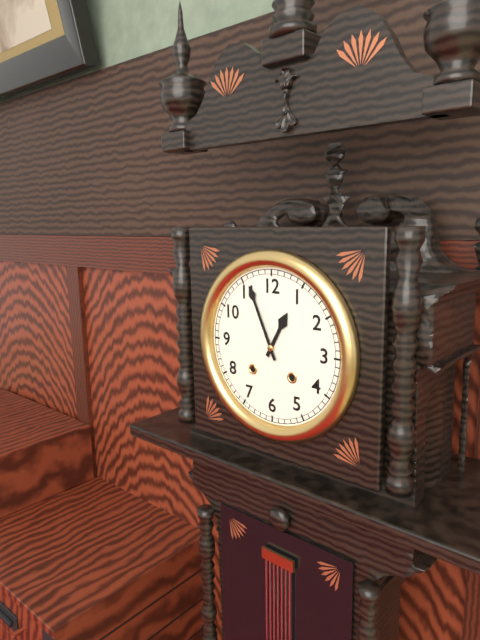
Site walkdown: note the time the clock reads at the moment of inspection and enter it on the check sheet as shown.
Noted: 12:56
